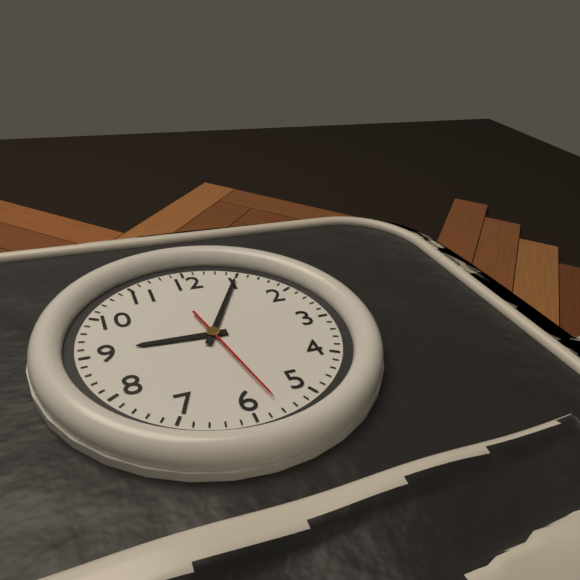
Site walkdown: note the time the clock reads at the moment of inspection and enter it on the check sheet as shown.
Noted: 9:05:28
